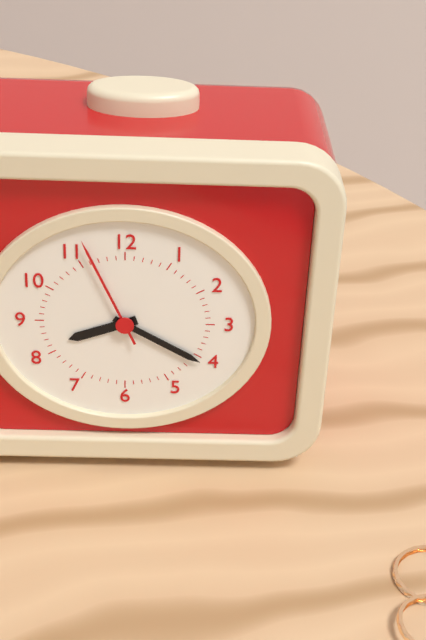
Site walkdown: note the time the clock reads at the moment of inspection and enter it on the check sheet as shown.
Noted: 8:20:56
